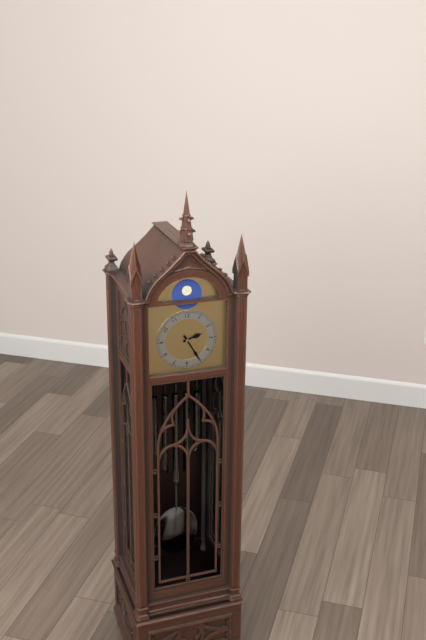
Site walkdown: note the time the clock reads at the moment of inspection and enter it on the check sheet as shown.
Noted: 2:25
